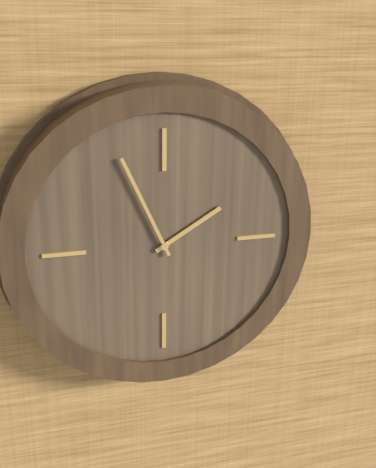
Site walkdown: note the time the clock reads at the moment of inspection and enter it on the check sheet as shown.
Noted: 1:56
